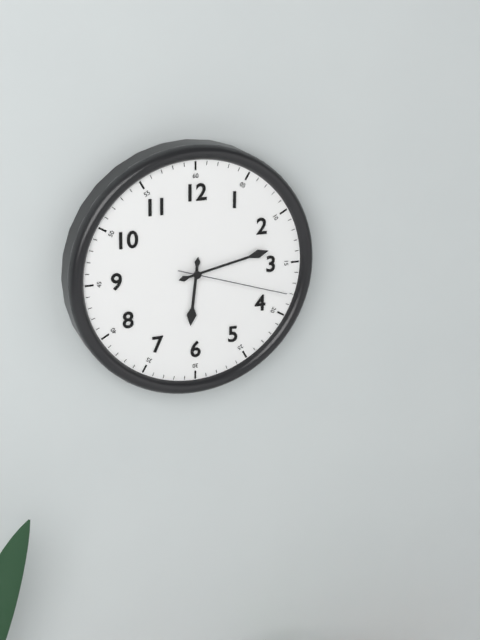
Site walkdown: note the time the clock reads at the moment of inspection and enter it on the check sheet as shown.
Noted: 6:13:18
